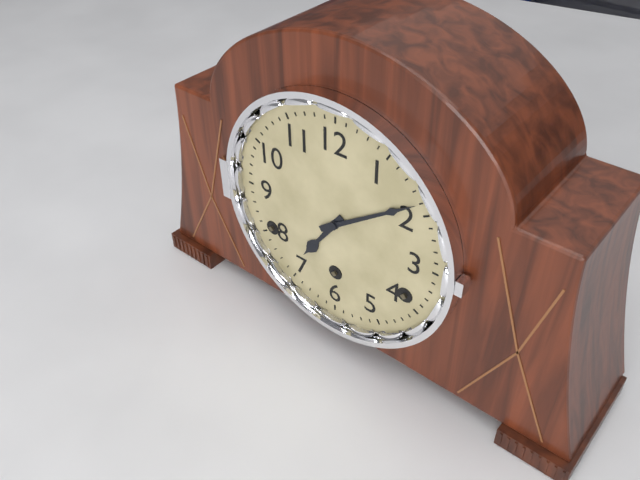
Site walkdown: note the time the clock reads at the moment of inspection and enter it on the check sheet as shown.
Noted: 7:09
